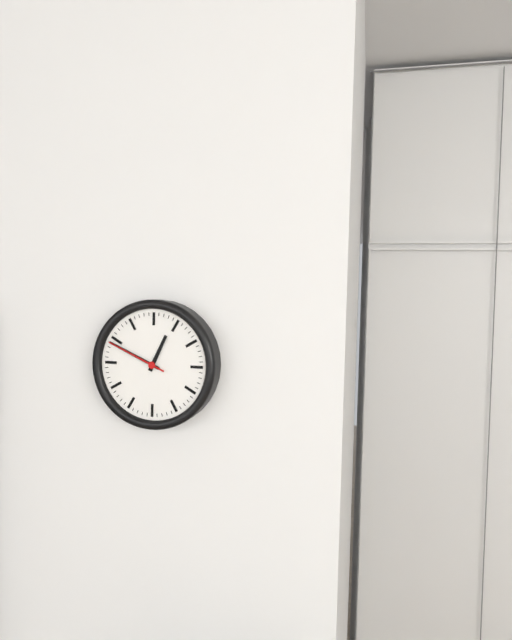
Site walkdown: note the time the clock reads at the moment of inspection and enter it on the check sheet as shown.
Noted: 12:49:49
